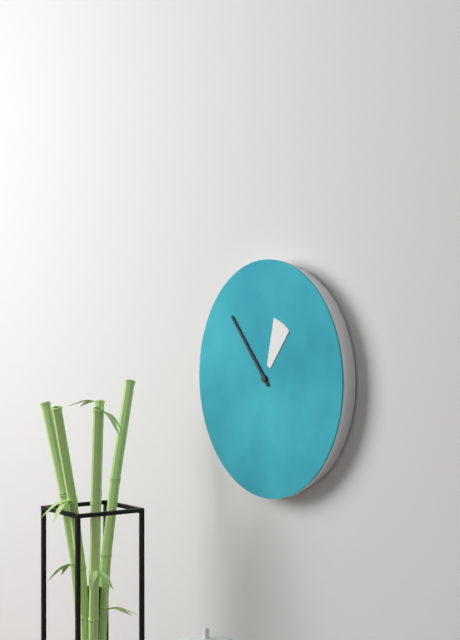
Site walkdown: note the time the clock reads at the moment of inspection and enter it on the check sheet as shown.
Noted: 12:53
